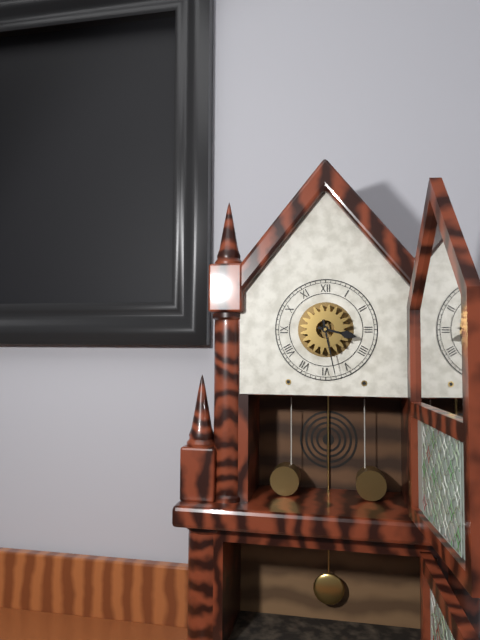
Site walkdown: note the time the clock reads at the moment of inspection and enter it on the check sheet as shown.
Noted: 3:28
